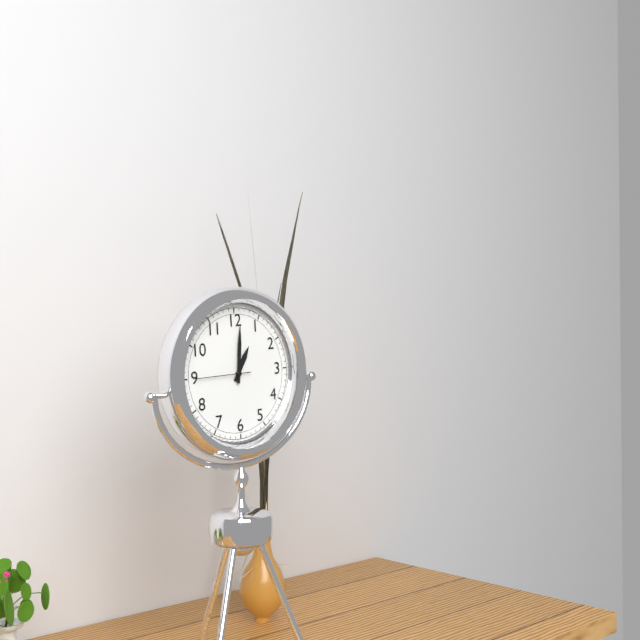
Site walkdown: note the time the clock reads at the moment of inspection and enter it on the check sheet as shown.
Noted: 1:01:45
